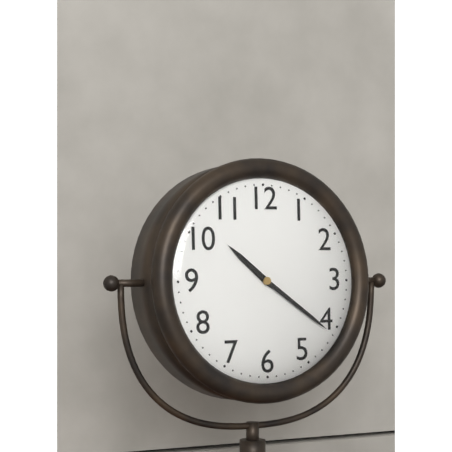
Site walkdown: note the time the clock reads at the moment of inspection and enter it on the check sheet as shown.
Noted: 10:21
